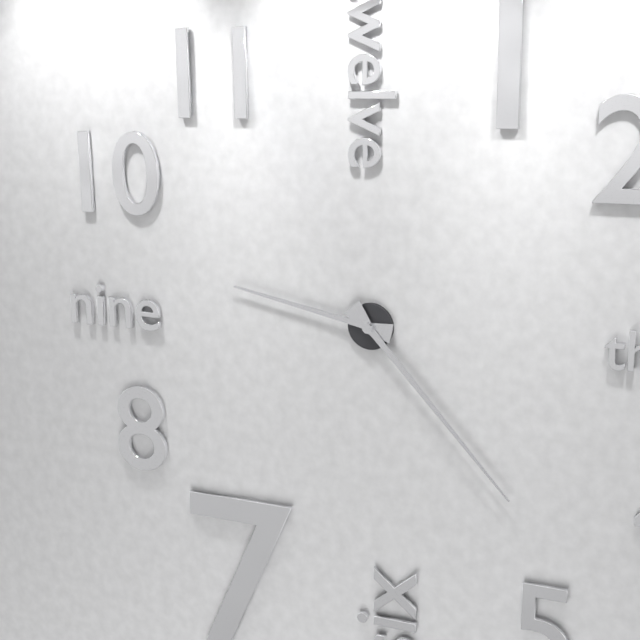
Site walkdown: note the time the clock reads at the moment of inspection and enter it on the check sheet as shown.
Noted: 9:23
